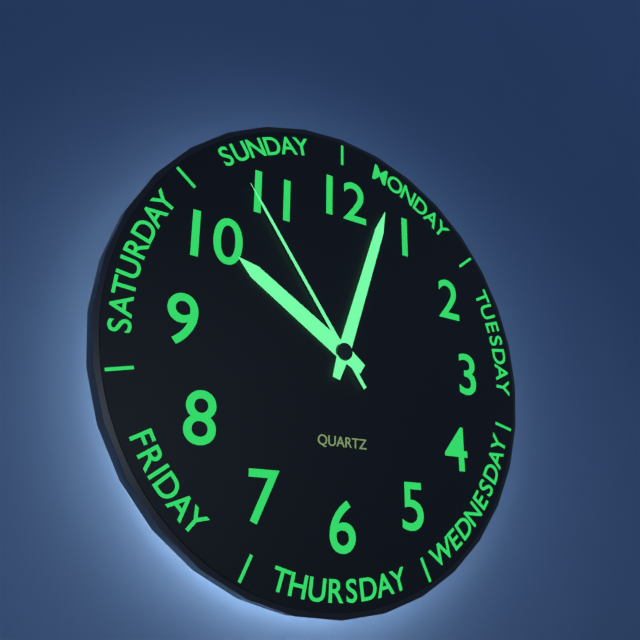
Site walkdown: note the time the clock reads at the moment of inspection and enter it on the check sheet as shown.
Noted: 10:03:54
